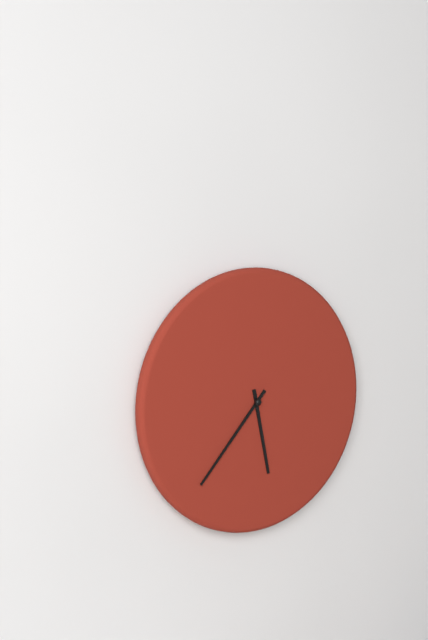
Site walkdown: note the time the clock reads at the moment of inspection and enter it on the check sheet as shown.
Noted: 5:37
